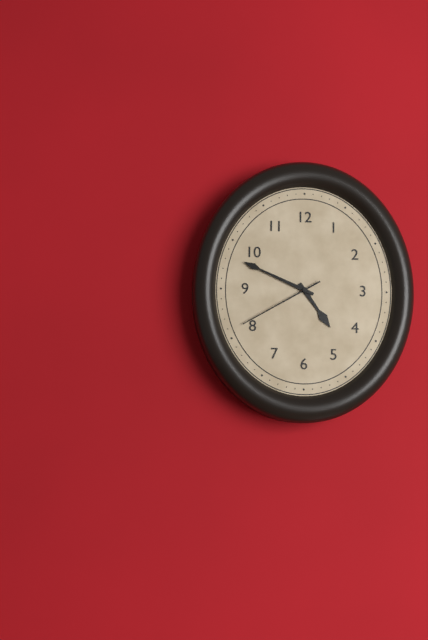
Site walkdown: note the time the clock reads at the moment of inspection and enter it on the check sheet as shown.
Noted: 4:49:40
